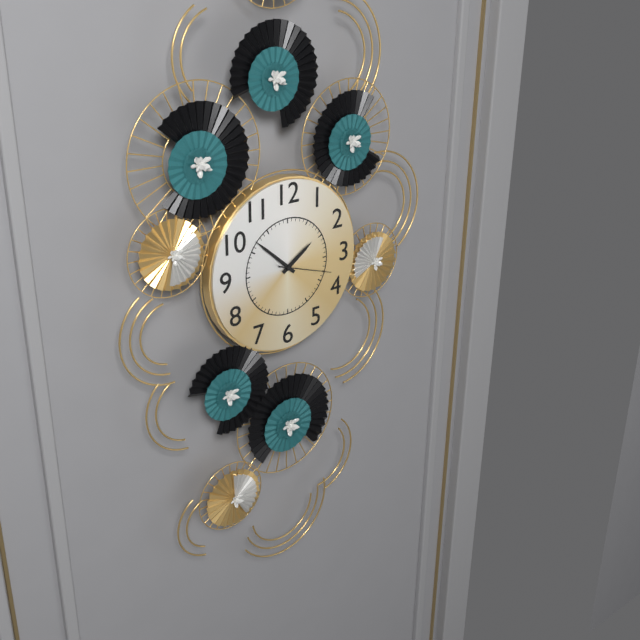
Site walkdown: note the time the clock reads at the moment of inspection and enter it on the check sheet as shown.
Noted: 1:52:18
